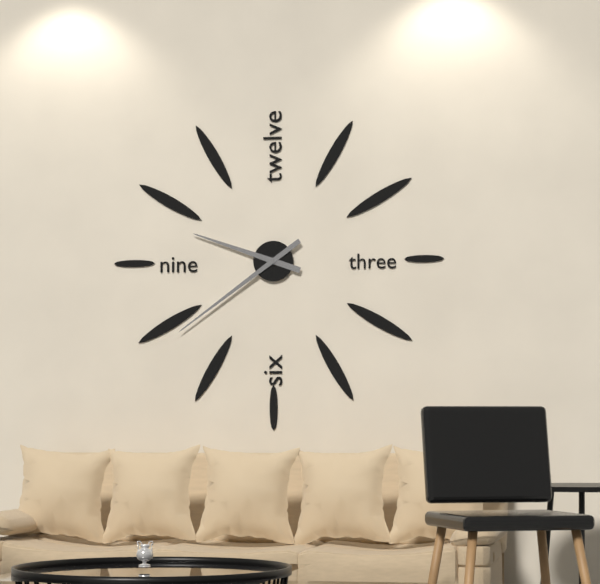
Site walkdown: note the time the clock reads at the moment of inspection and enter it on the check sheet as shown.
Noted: 9:39
